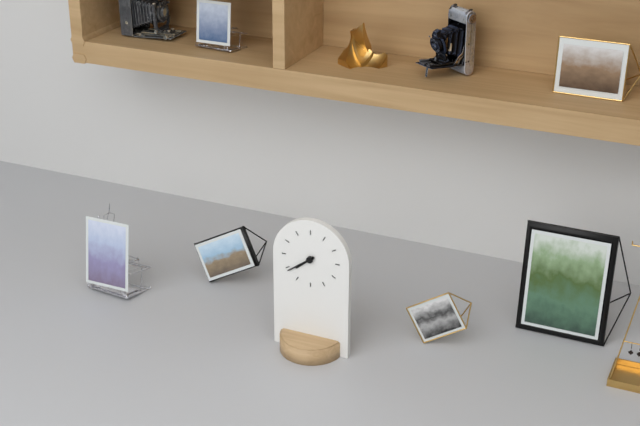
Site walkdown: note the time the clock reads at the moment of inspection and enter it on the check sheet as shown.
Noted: 7:39
